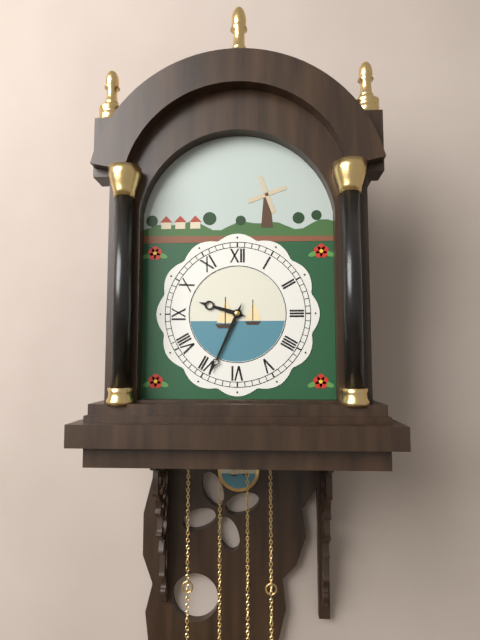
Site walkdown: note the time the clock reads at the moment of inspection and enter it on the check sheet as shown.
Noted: 9:34
